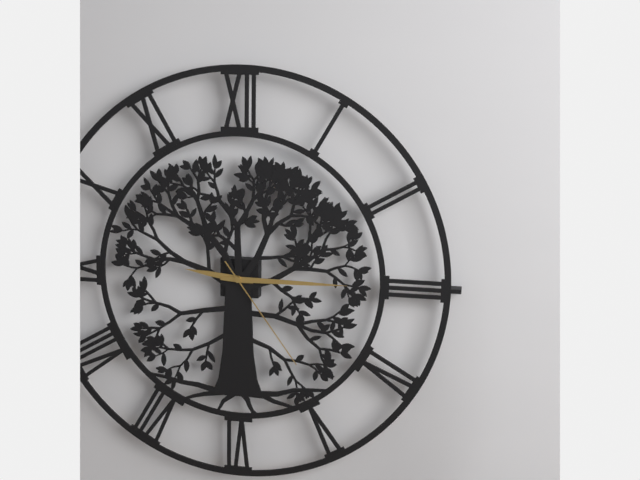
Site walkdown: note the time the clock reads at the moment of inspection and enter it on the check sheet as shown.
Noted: 9:15:24
